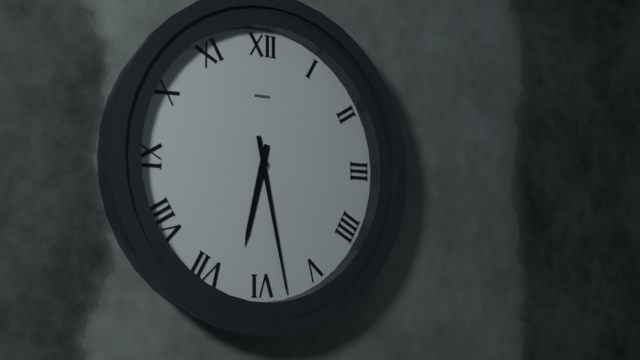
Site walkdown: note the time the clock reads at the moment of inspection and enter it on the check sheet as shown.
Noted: 6:28
